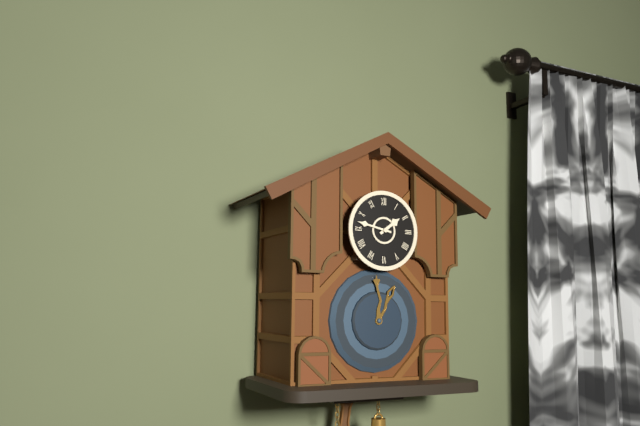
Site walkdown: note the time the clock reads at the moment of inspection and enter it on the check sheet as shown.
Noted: 1:47
